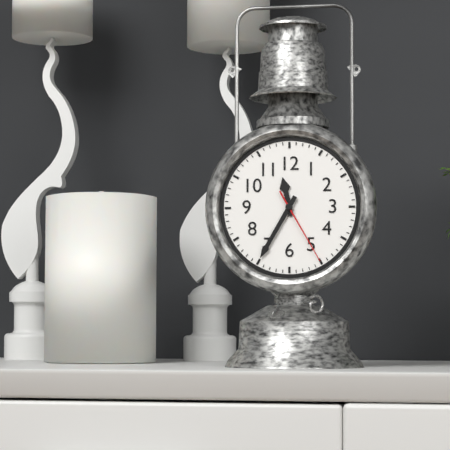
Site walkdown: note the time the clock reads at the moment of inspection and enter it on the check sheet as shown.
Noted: 11:35:25
